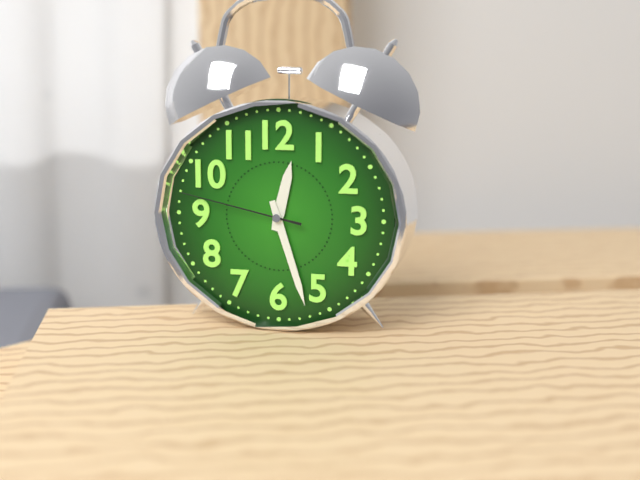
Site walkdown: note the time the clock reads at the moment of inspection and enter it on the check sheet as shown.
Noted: 12:27:47
